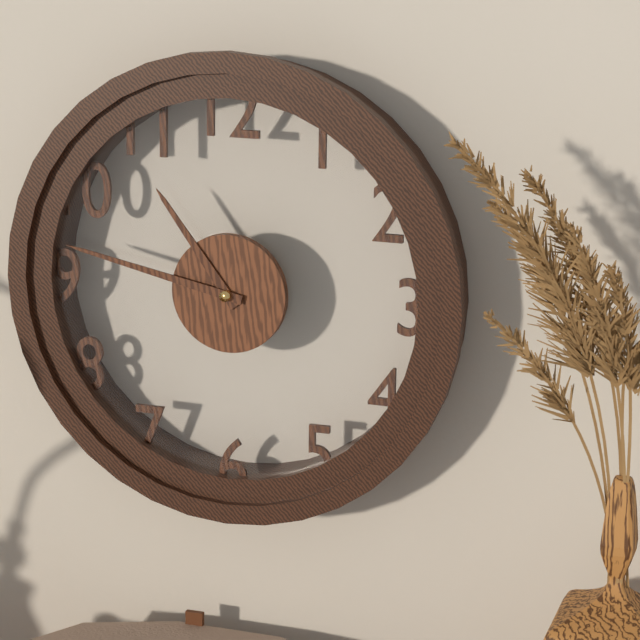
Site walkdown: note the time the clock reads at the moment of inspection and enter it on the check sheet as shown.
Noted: 10:47
